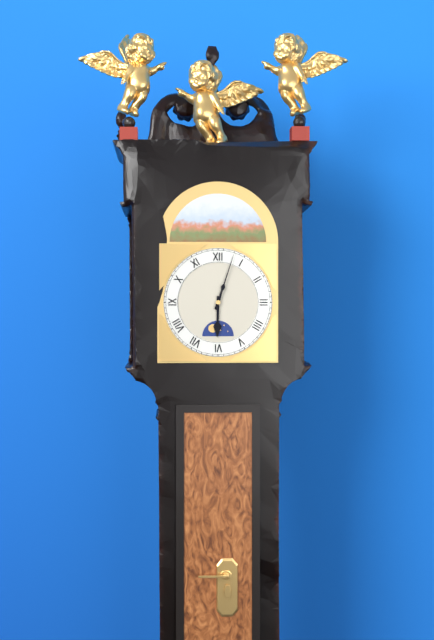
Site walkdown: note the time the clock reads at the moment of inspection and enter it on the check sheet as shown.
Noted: 6:03
